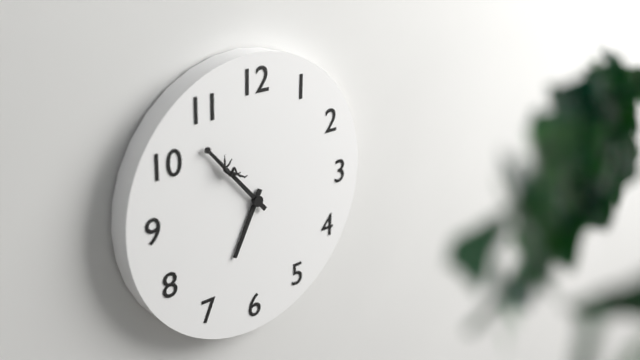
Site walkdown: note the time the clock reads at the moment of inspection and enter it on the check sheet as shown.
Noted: 6:53
